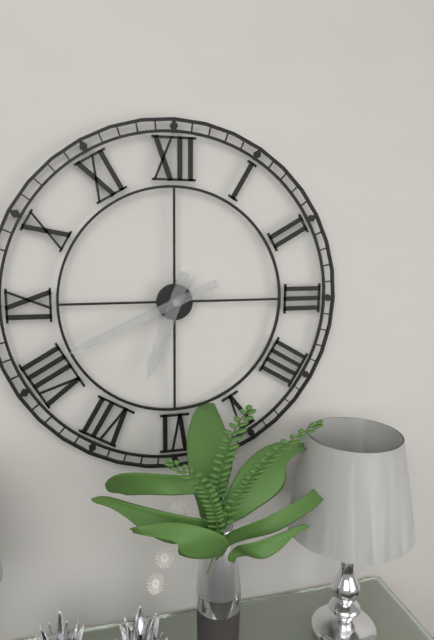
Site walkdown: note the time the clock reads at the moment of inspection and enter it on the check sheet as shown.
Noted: 6:41
